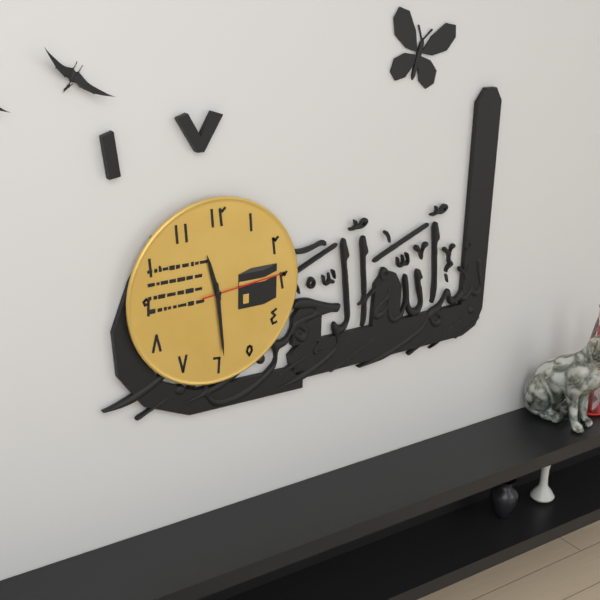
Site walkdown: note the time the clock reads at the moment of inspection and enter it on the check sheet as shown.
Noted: 11:29:14
